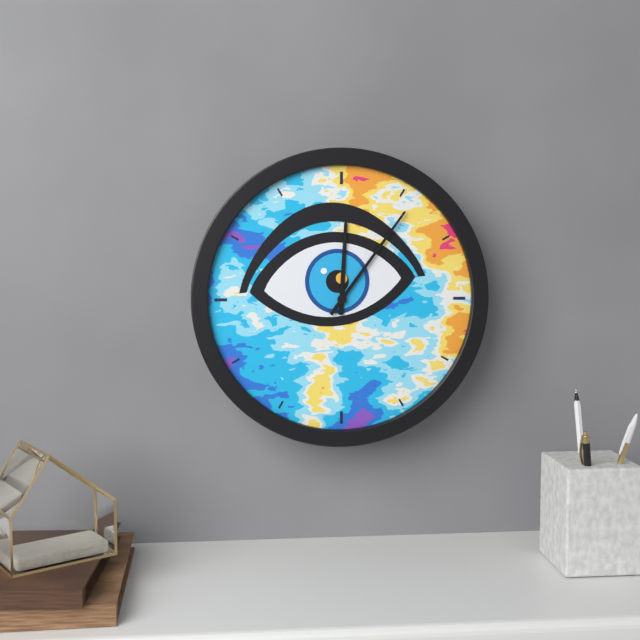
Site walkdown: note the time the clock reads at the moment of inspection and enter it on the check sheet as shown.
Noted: 12:06
